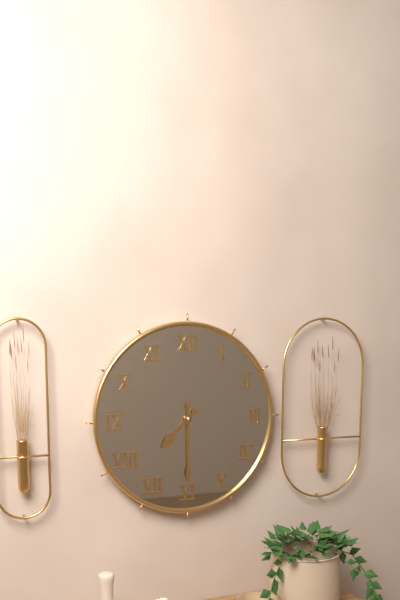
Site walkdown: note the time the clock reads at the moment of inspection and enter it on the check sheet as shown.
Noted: 7:30
